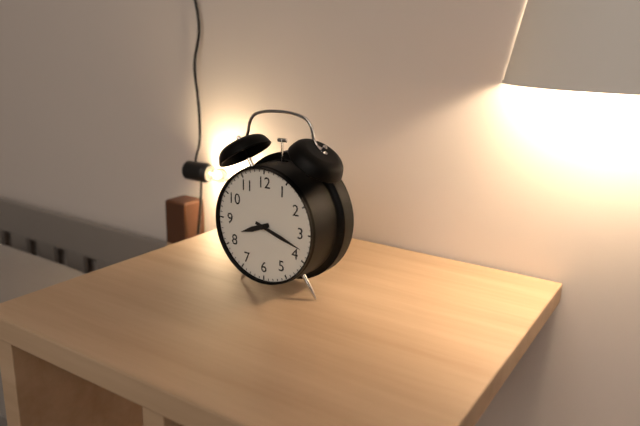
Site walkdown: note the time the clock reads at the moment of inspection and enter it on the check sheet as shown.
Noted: 8:18
